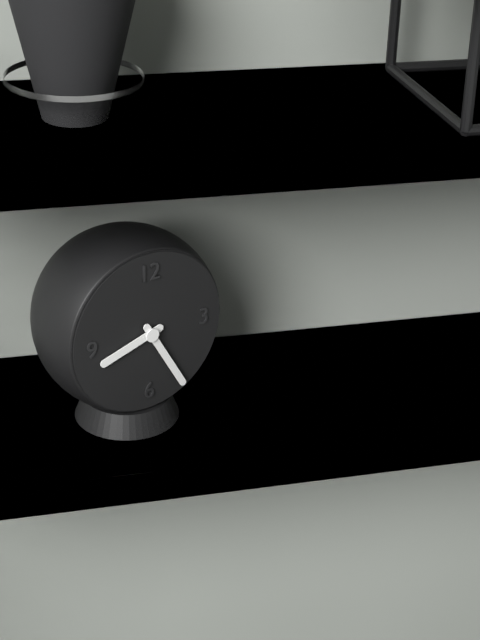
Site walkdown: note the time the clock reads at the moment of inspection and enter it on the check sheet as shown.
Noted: 8:25
